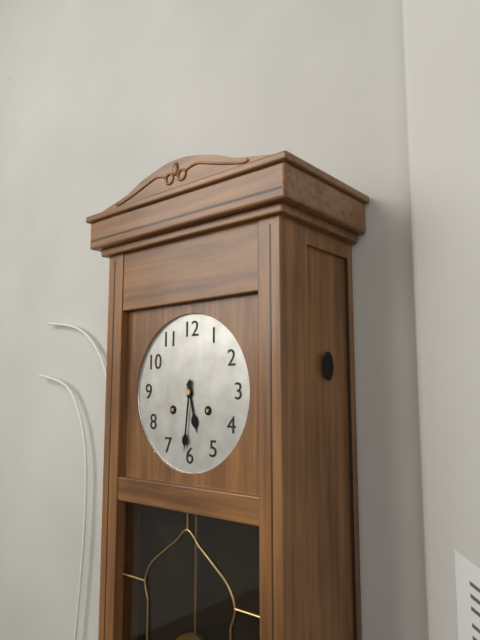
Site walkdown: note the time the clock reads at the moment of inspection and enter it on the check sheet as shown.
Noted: 5:31
